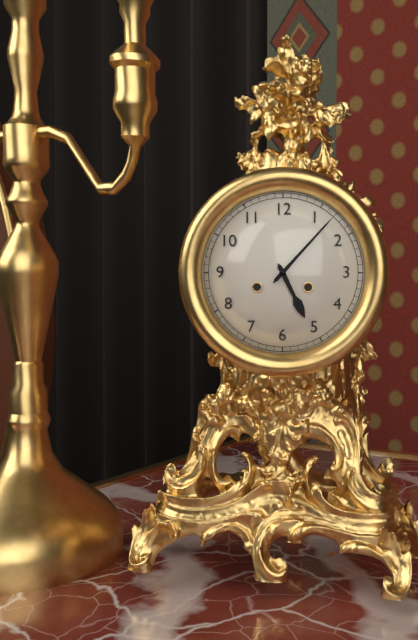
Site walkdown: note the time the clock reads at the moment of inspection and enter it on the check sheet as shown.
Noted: 5:07
